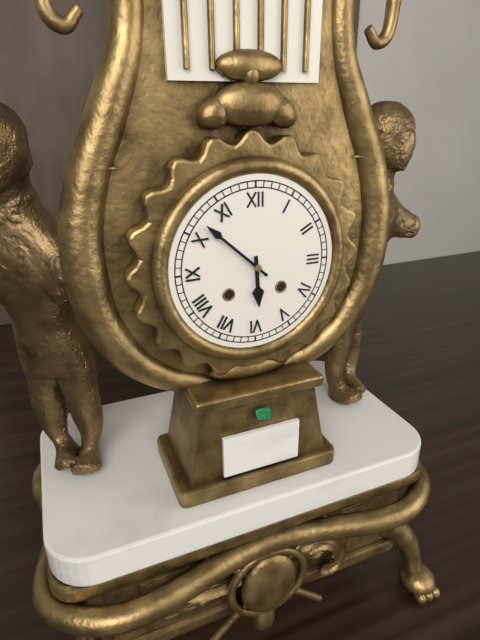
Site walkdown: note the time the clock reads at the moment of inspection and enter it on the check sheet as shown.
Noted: 5:52
